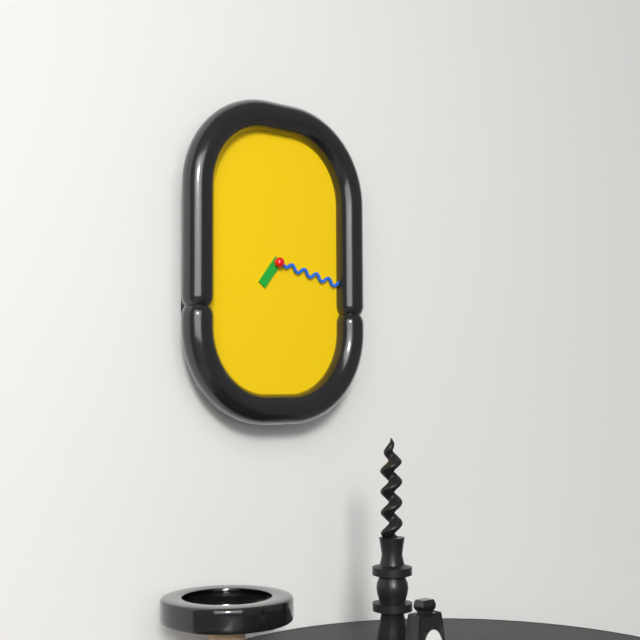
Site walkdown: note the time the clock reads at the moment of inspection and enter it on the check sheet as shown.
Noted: 7:17
